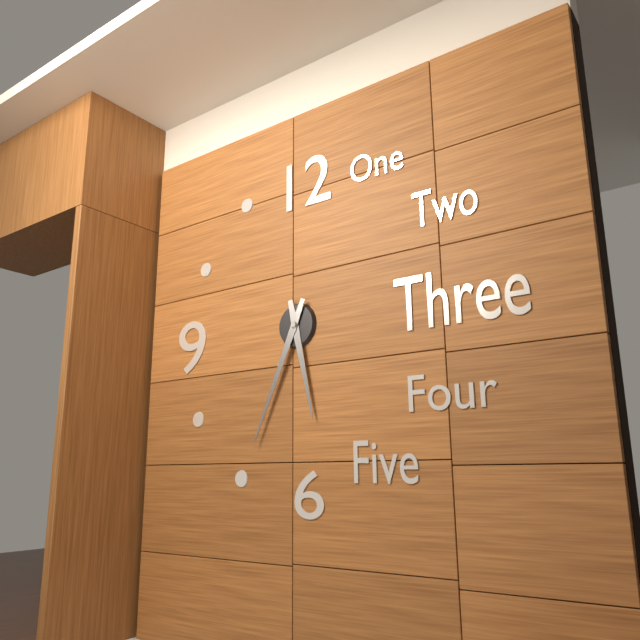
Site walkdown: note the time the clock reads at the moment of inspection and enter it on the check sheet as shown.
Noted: 5:34
